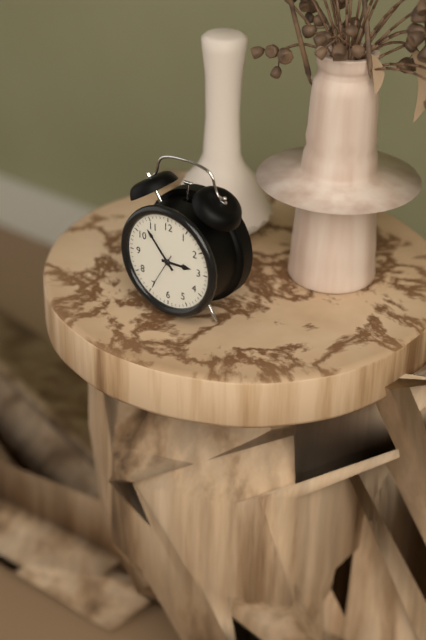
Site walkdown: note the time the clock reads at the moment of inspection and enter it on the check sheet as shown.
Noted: 2:53
